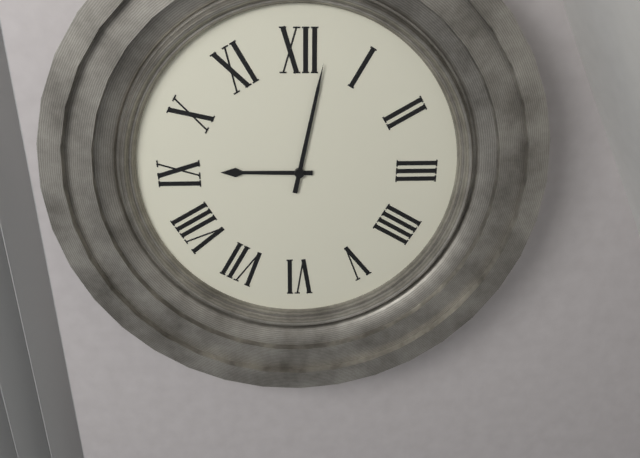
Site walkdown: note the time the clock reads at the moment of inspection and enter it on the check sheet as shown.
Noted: 9:02
